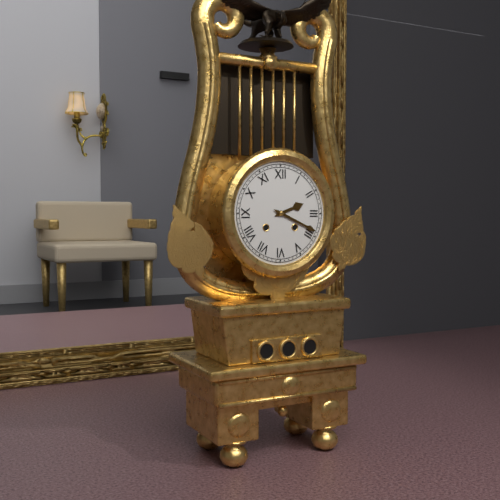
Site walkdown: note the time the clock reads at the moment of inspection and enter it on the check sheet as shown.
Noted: 2:19
